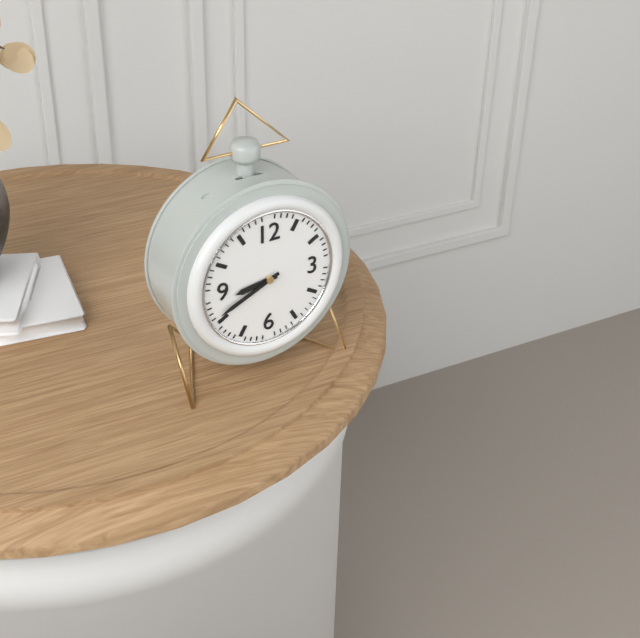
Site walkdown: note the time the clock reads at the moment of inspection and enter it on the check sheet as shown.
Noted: 8:41
